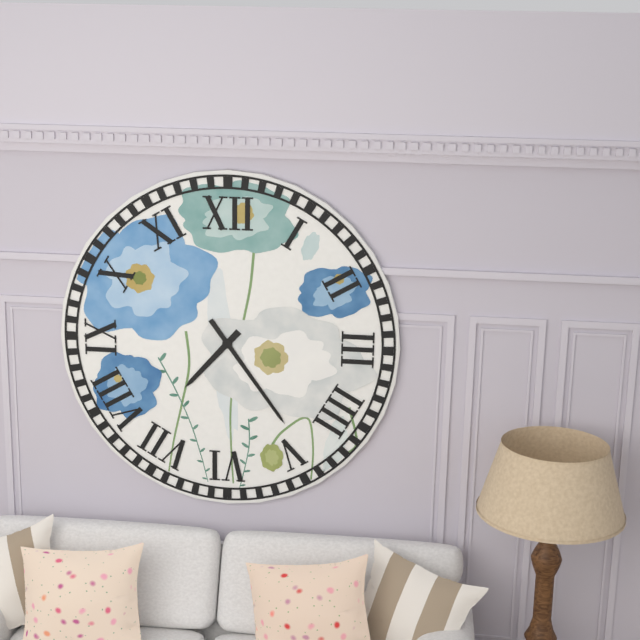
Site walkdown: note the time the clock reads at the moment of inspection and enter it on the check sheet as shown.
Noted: 7:24
